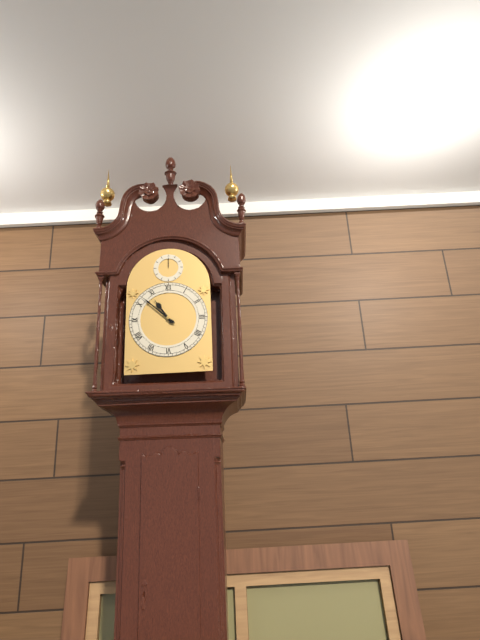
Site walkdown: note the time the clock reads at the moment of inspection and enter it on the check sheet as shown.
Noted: 10:52
